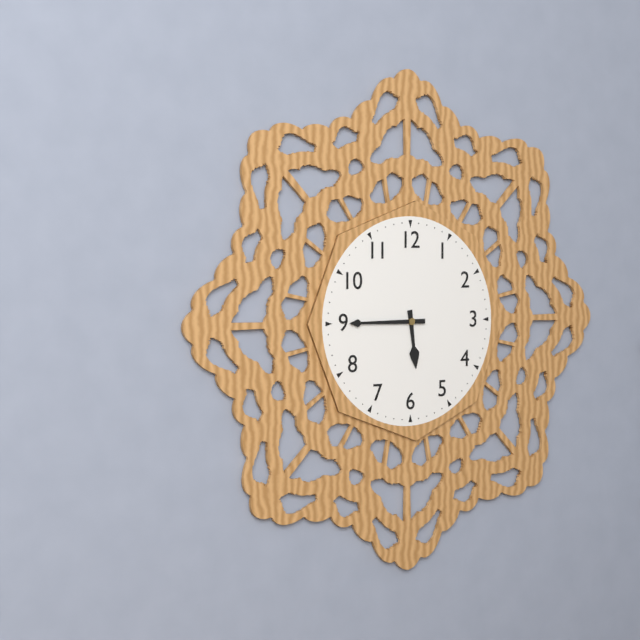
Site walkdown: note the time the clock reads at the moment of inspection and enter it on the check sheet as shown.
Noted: 5:45
